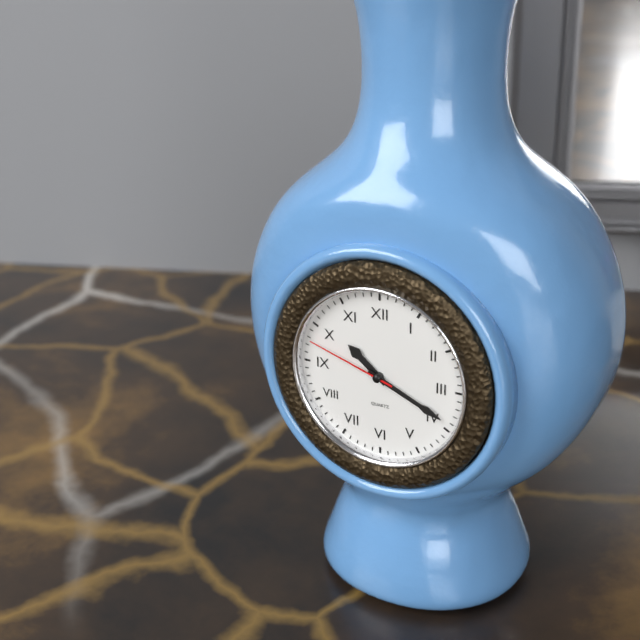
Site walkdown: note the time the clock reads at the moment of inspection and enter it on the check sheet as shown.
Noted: 10:19:48
